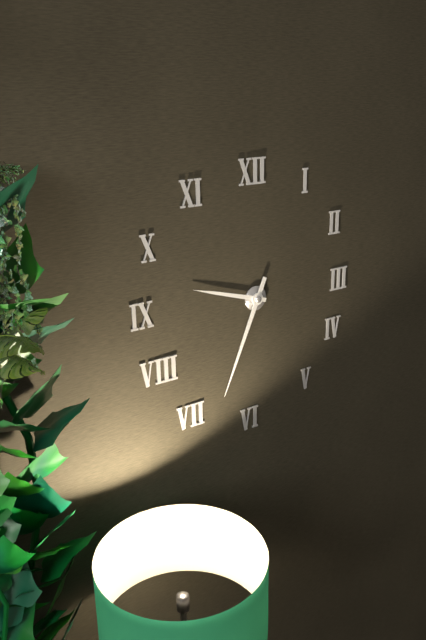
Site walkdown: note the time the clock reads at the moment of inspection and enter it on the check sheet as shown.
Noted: 9:34
